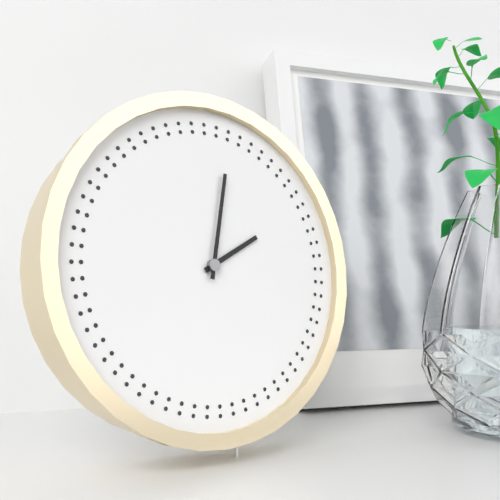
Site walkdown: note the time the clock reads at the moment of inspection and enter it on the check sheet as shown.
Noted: 2:02
